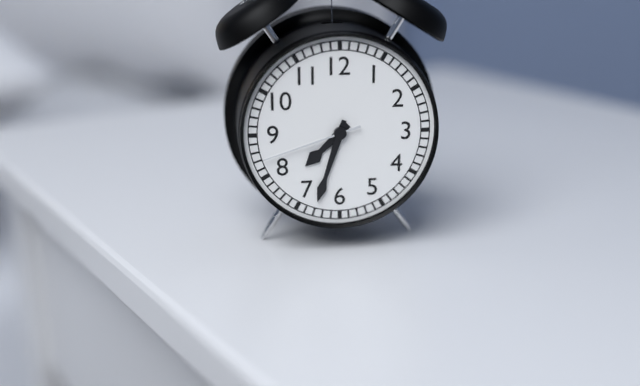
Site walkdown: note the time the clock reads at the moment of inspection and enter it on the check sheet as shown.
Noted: 7:33:42
